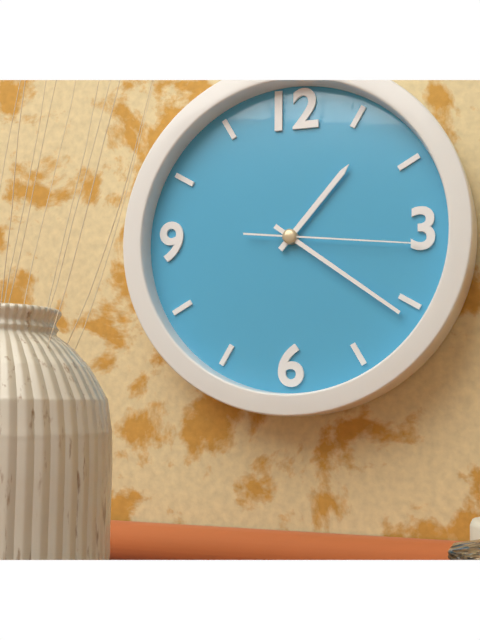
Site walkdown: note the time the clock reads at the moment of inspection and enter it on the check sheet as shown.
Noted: 1:21:16
